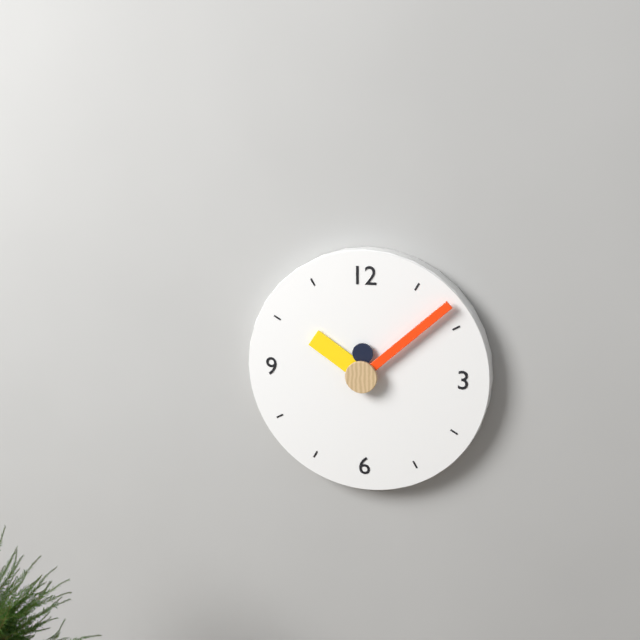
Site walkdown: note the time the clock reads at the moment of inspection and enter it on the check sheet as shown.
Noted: 10:08
